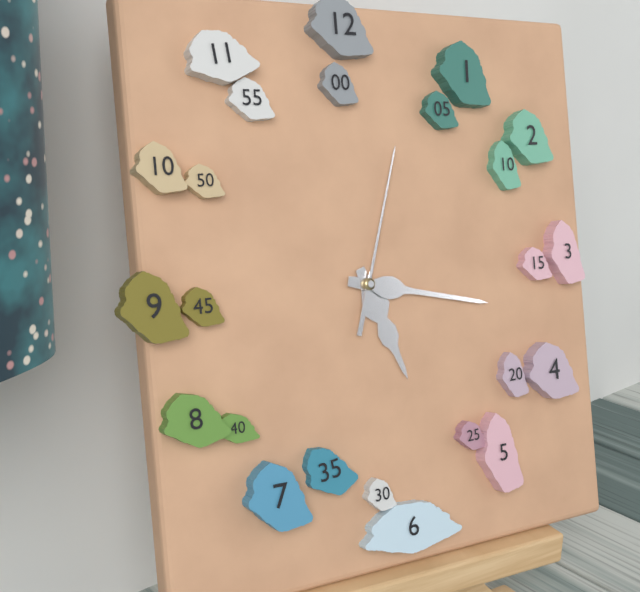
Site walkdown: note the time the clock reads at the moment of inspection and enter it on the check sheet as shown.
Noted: 5:17:03
